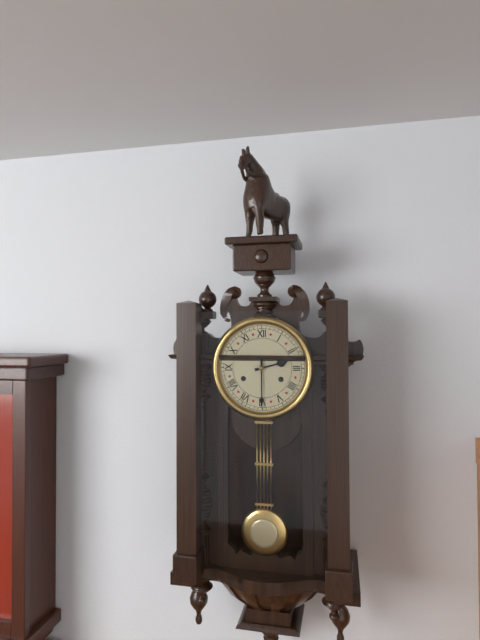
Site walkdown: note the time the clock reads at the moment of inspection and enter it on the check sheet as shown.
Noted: 2:30
